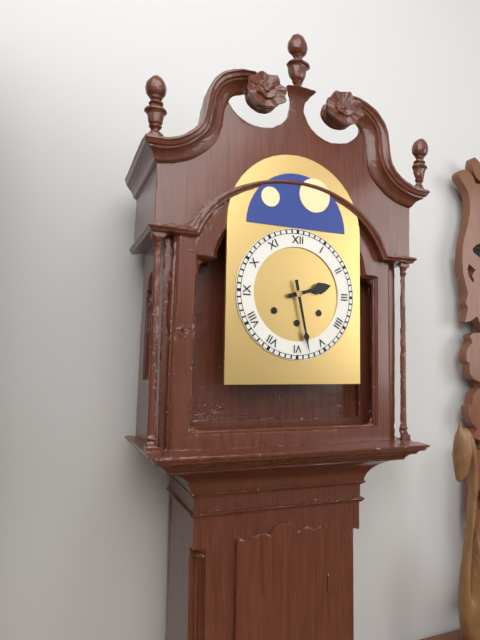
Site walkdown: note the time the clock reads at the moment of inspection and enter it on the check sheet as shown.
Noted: 2:28
